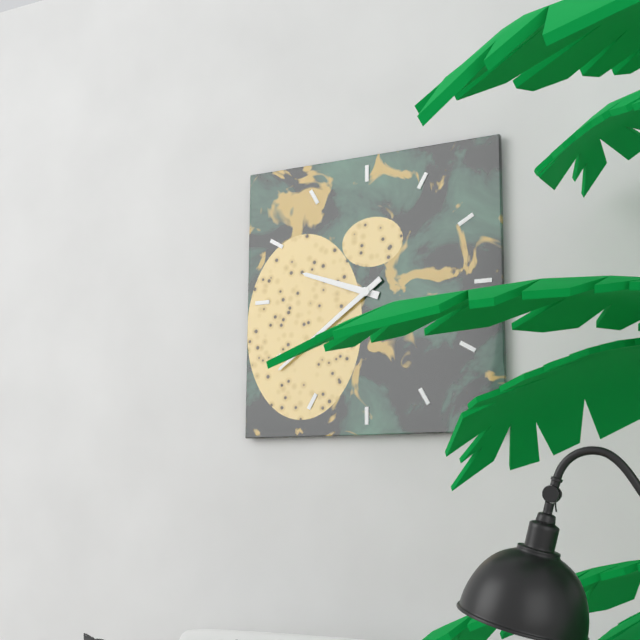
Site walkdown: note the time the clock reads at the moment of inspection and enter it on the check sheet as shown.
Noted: 9:39
